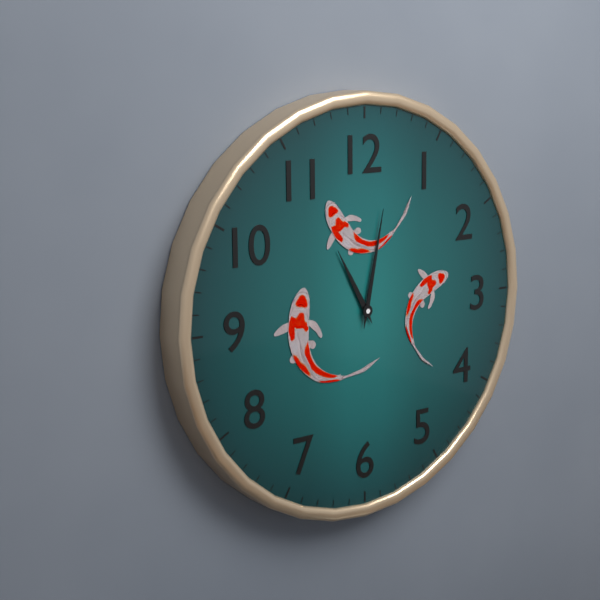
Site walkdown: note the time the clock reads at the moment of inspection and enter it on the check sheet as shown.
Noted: 11:02
